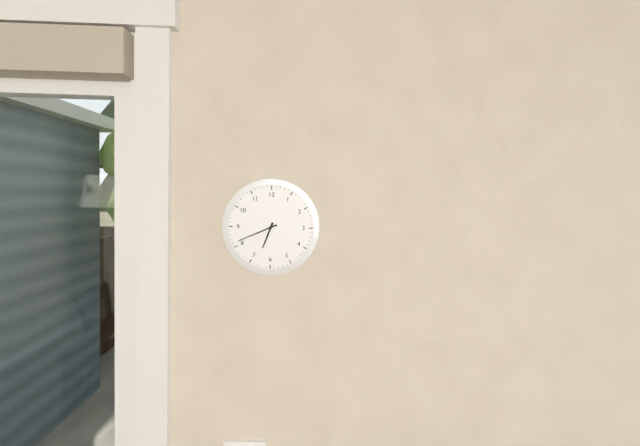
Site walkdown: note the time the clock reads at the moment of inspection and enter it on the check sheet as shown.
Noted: 6:41
